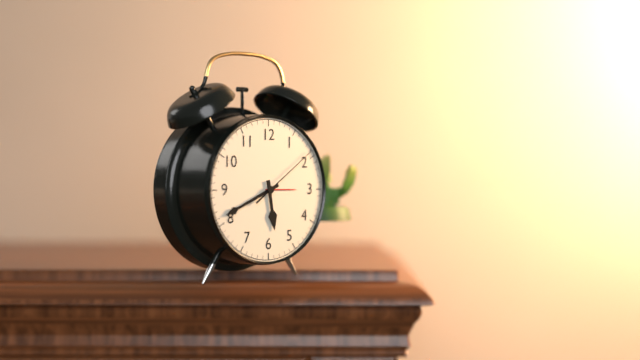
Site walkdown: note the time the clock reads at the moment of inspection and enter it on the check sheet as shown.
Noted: 5:41:09
